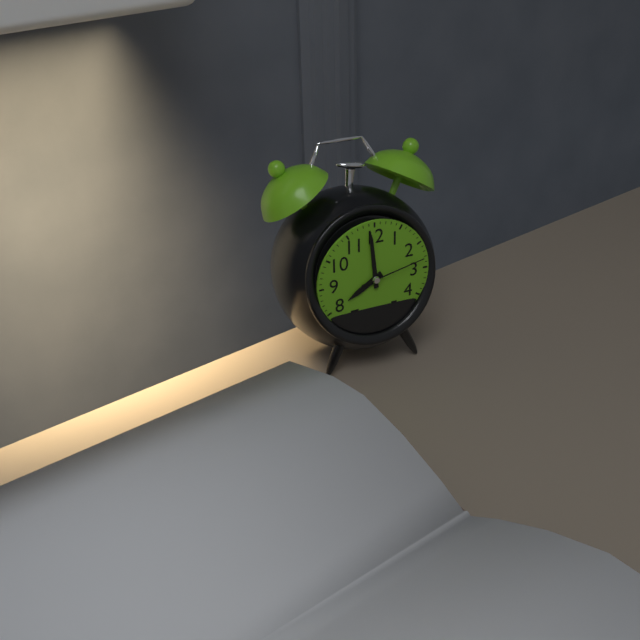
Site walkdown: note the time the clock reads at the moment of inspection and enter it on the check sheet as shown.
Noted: 7:59:13
